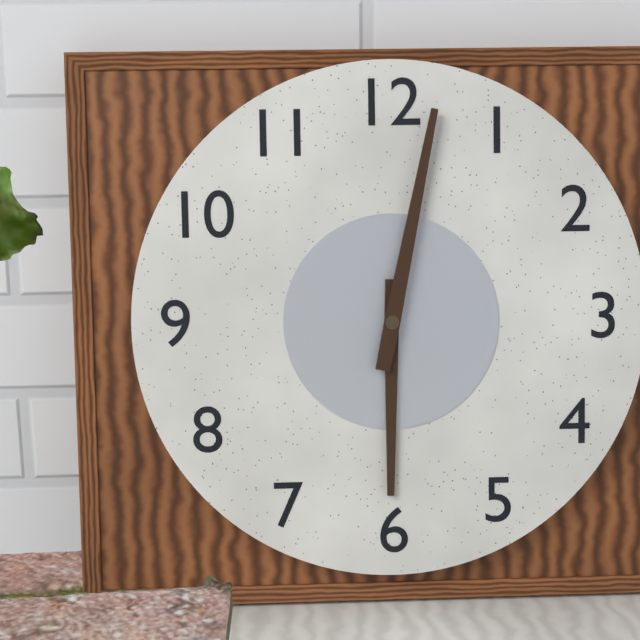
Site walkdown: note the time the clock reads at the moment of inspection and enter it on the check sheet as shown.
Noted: 6:02
